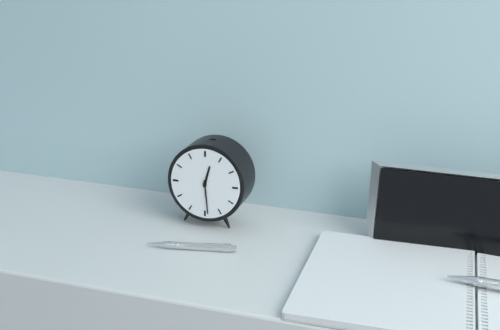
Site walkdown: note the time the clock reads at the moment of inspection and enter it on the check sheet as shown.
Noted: 12:29
